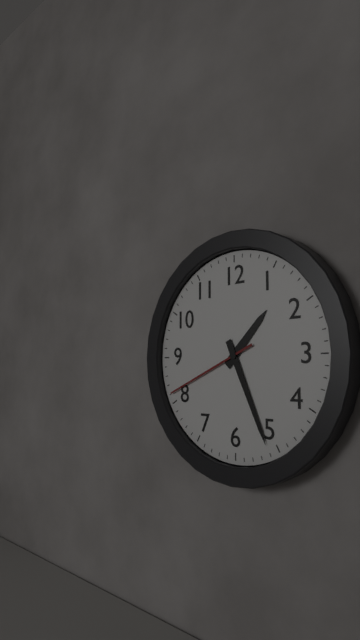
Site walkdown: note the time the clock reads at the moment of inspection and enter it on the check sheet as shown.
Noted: 1:26:41
